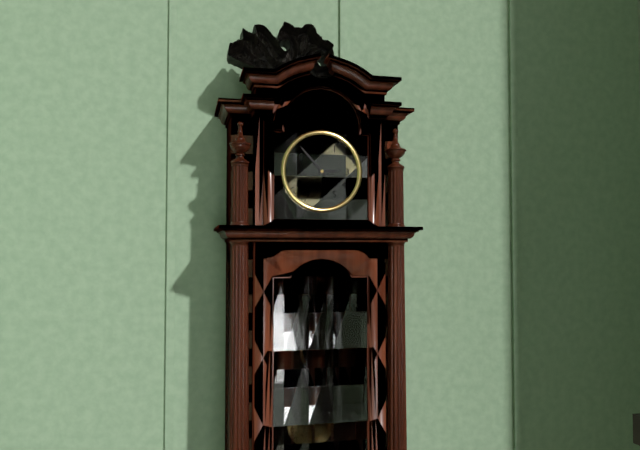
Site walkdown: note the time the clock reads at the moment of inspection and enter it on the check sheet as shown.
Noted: 2:53
